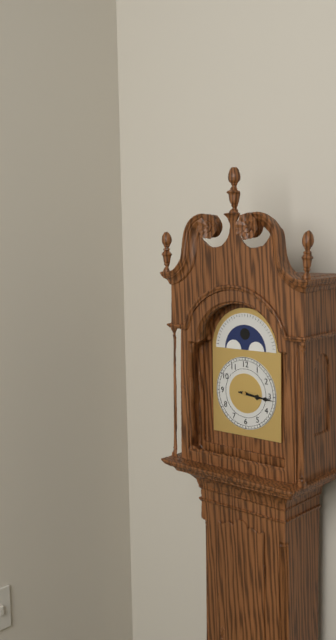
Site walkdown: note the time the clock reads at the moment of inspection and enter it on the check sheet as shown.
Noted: 3:16
